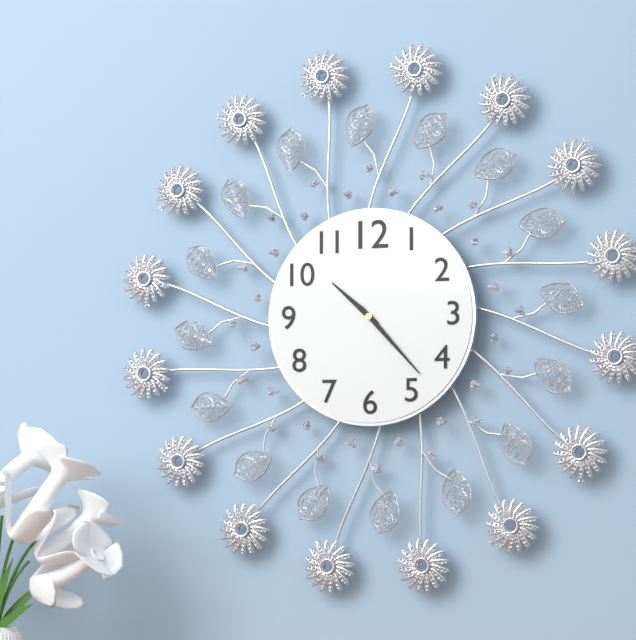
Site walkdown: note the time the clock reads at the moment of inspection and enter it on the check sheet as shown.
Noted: 10:23
